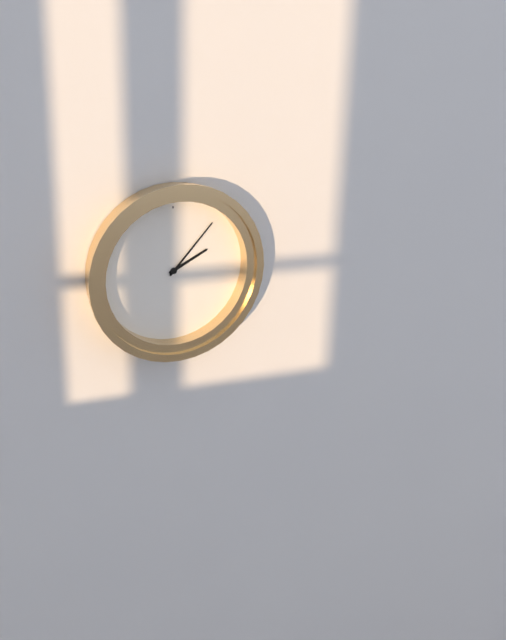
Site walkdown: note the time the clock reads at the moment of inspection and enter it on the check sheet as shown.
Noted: 2:07
